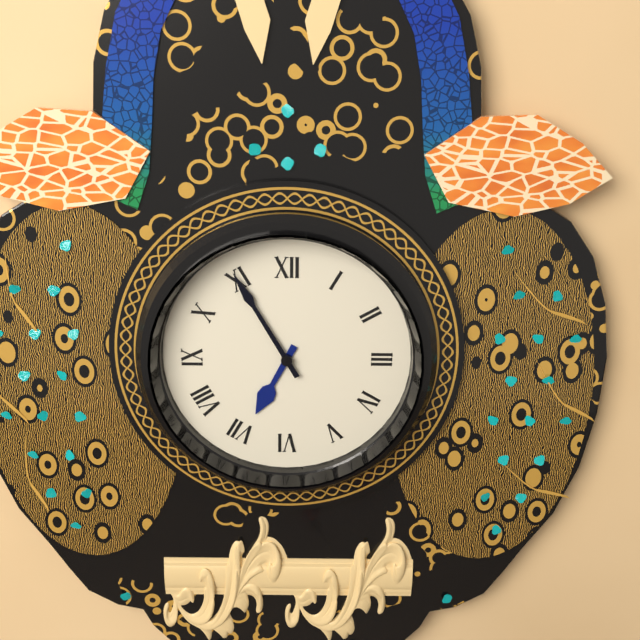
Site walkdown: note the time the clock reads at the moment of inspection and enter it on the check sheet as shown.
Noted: 6:55
